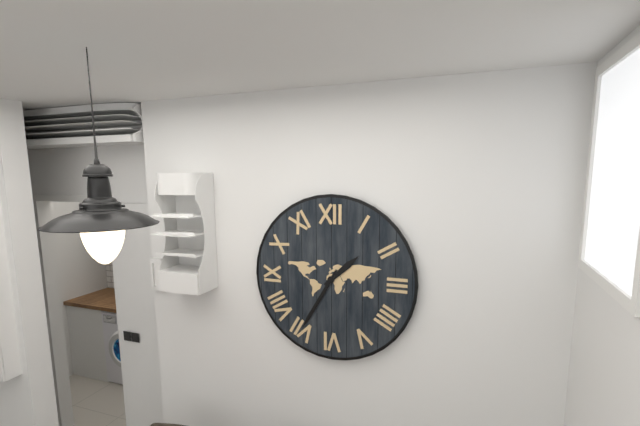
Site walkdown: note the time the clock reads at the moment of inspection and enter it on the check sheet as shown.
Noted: 1:35
